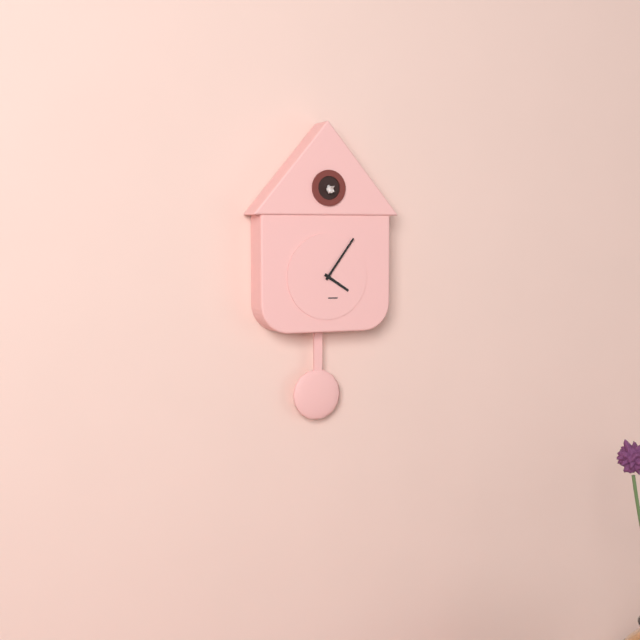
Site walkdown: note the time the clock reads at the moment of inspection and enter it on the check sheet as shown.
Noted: 4:06
